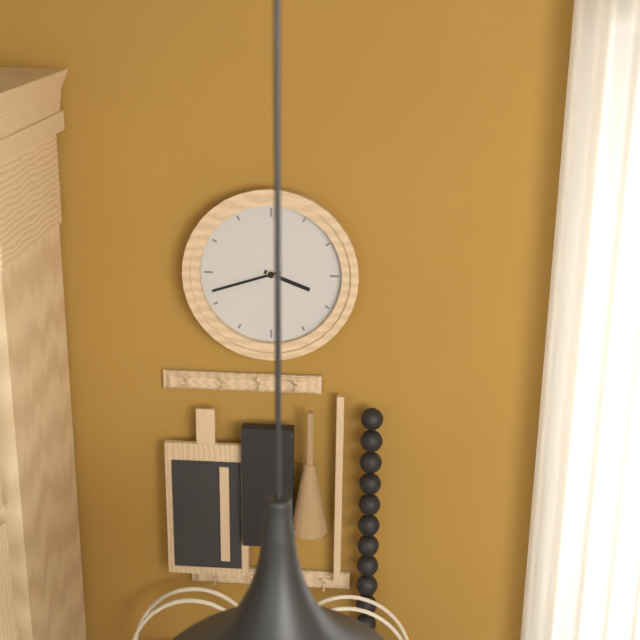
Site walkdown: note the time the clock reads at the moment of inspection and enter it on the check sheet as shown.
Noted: 3:42
